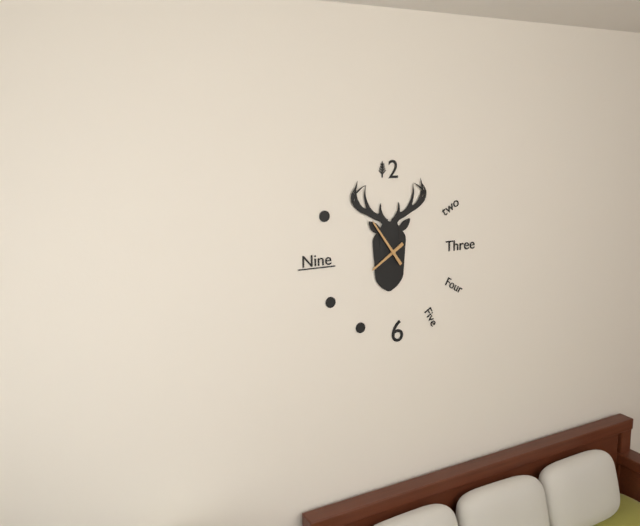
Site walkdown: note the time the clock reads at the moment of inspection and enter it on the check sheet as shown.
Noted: 7:54
